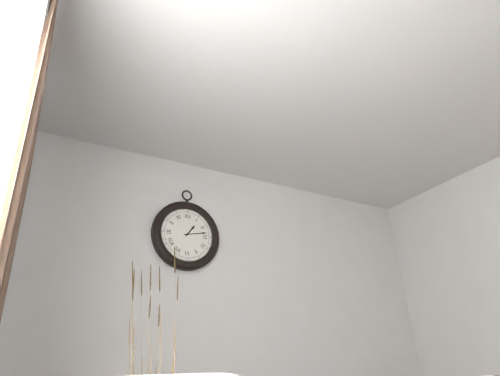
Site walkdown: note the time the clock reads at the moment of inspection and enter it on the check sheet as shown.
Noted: 1:13
